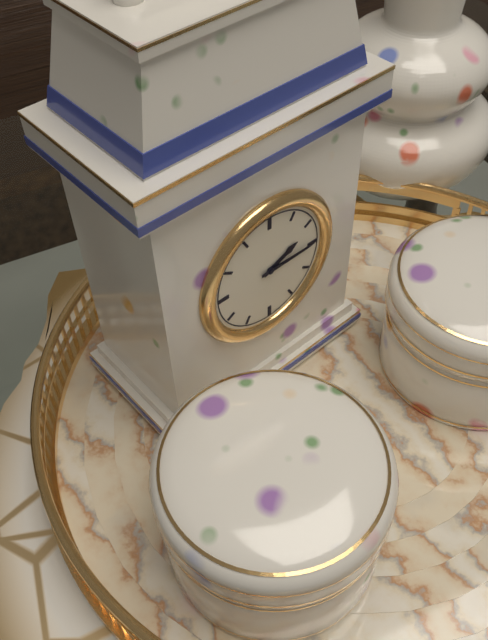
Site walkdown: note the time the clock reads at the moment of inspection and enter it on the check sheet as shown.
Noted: 2:15
